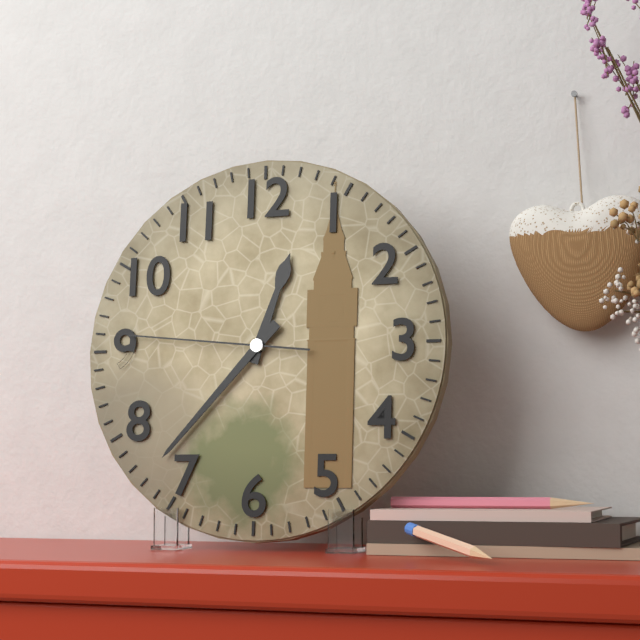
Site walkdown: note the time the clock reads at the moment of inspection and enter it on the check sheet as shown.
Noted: 12:37:46
